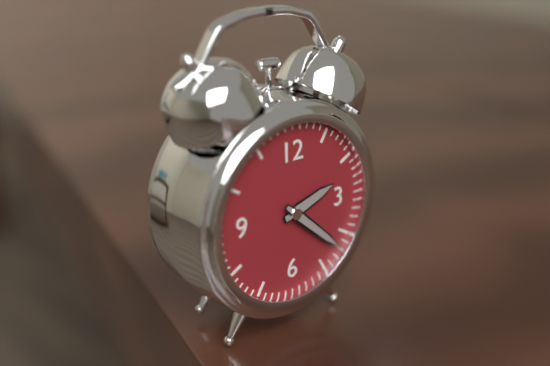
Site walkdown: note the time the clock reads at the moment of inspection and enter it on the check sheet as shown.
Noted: 2:22
